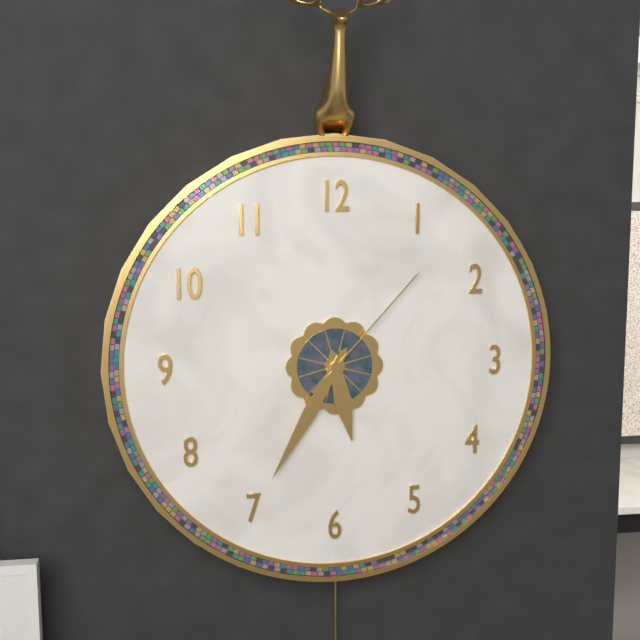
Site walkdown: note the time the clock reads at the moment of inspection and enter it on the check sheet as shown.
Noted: 5:35:07
